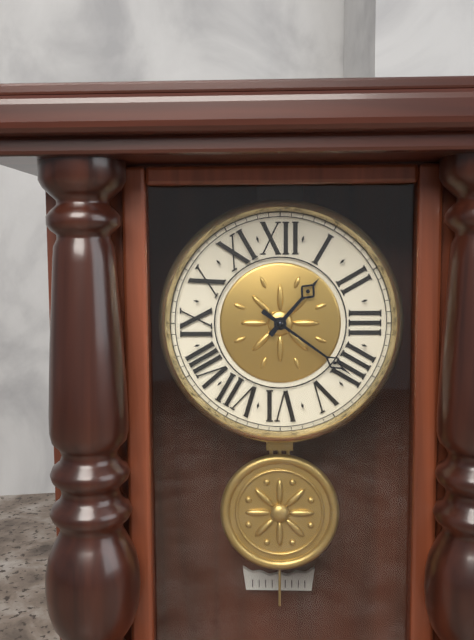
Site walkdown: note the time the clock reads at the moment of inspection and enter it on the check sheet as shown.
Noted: 1:21
